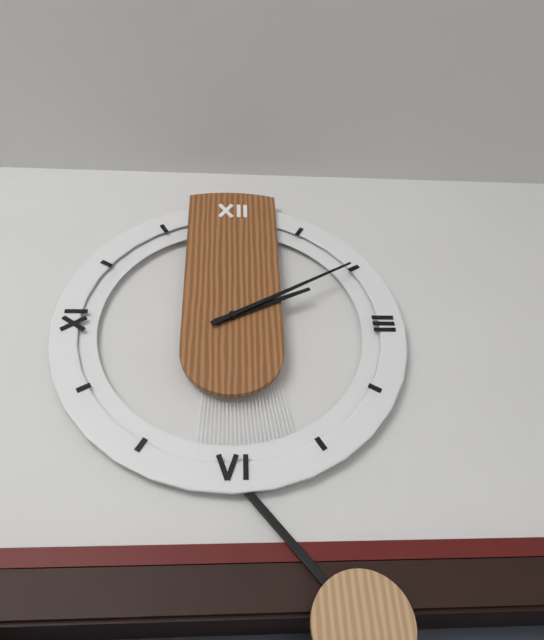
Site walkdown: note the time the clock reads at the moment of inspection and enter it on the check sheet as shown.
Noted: 2:10
